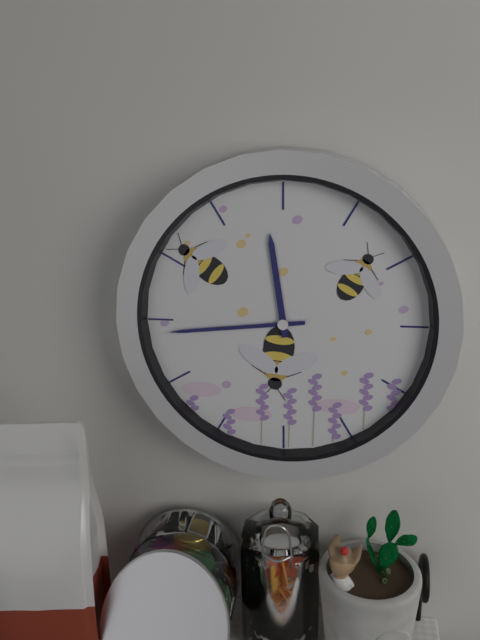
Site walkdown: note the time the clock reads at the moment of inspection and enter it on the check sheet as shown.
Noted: 11:44
